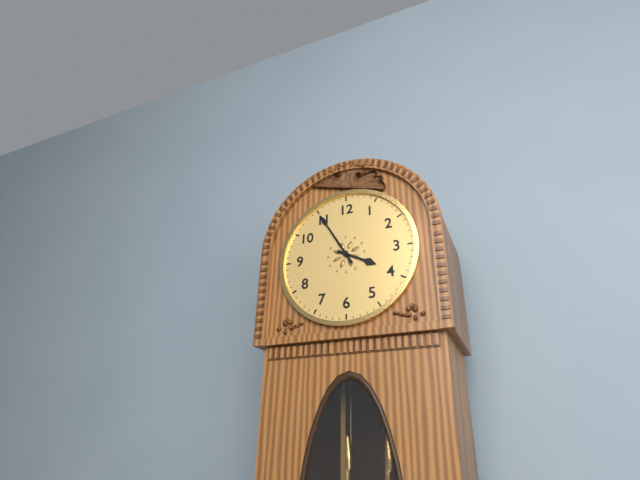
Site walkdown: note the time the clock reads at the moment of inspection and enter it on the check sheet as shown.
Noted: 3:55
